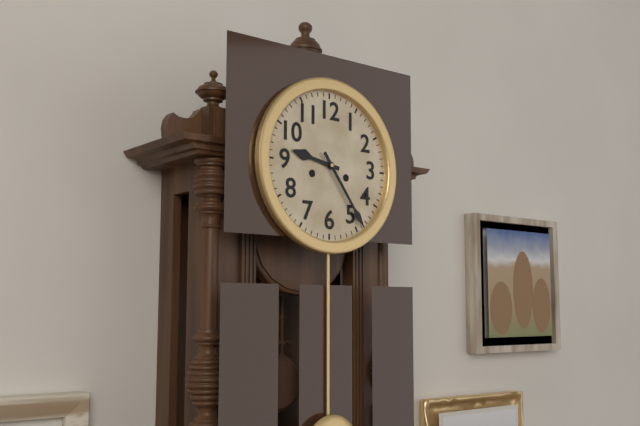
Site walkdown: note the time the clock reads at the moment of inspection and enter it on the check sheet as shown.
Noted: 9:24
